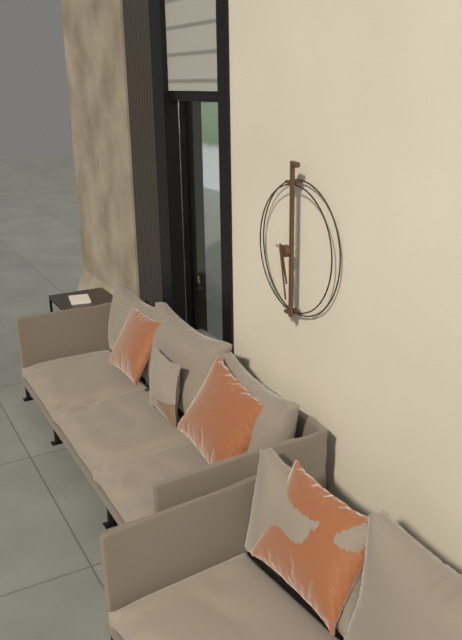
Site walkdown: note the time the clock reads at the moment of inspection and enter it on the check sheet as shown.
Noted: 5:28
